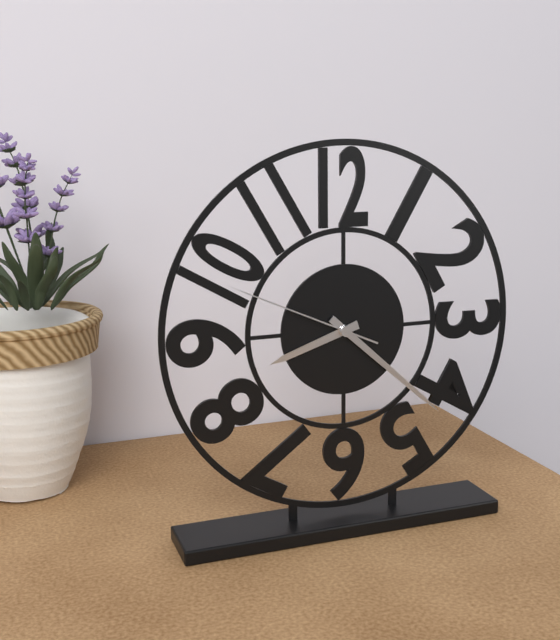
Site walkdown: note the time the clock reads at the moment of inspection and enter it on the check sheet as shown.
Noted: 8:22:49
